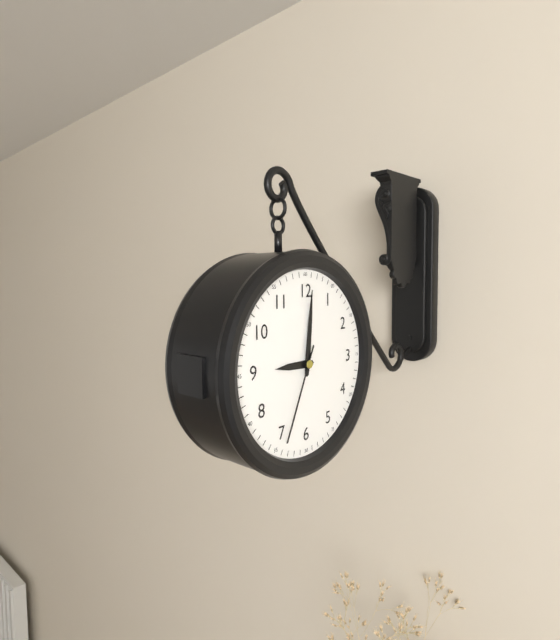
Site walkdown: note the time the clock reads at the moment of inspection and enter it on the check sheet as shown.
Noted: 9:01:34
